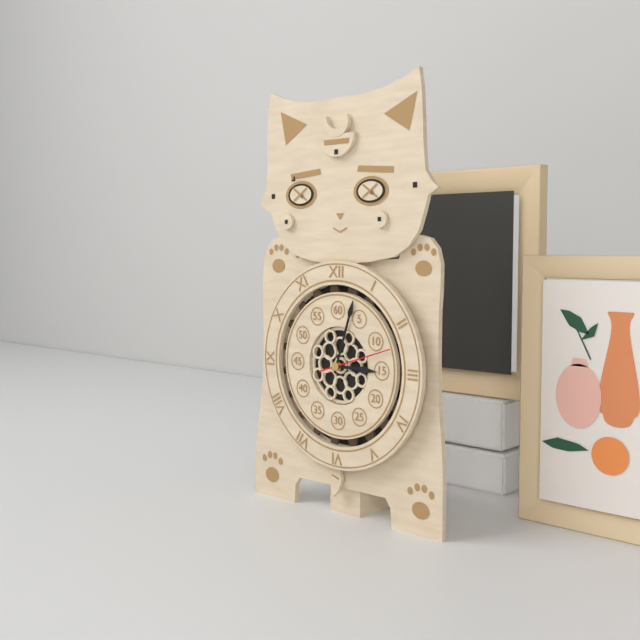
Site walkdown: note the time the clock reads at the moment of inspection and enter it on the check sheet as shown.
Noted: 3:03:12
